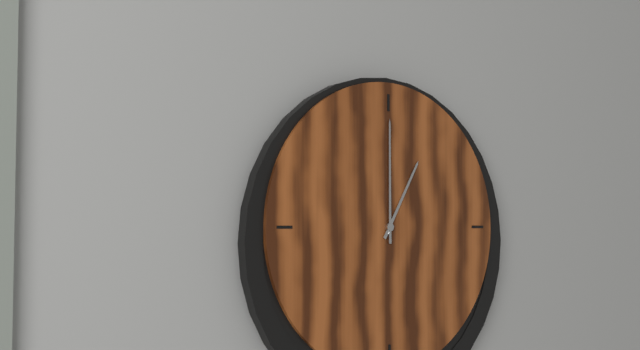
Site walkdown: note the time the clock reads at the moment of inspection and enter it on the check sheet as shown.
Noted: 1:00
